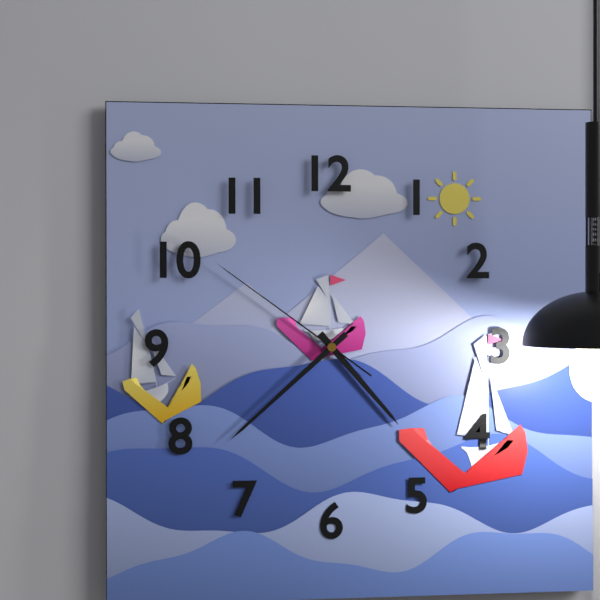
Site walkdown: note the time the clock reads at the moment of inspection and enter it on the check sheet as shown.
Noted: 4:38:51
